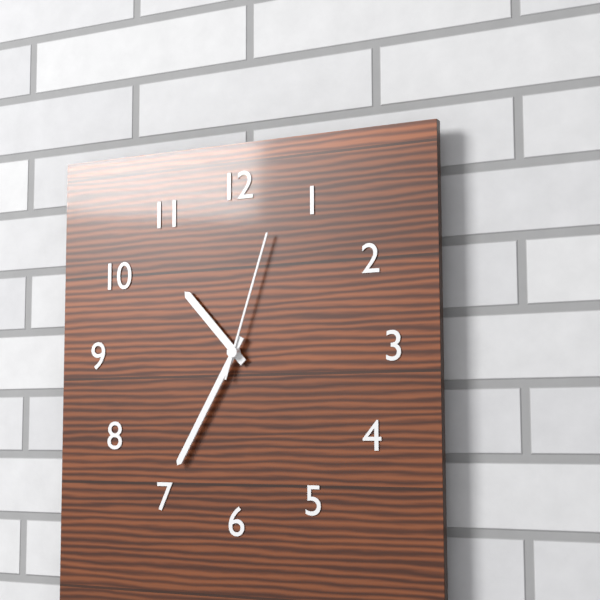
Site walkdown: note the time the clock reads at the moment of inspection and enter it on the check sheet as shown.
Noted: 10:35:03
